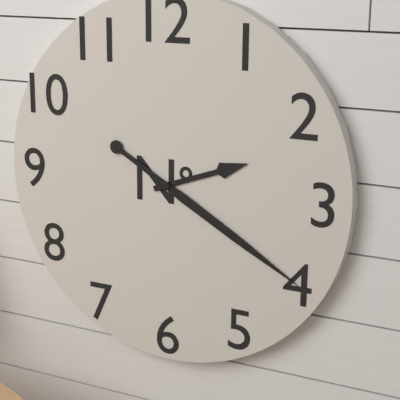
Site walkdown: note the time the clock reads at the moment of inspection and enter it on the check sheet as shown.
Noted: 2:20
